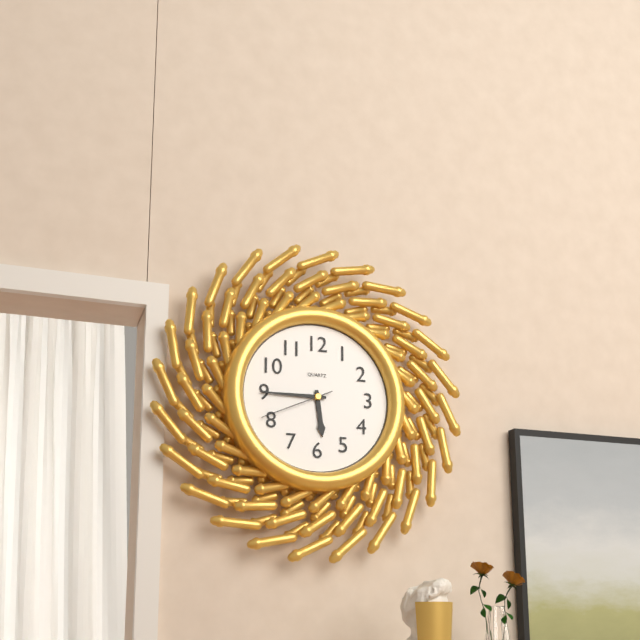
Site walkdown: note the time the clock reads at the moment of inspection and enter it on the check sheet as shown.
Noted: 5:45:41
